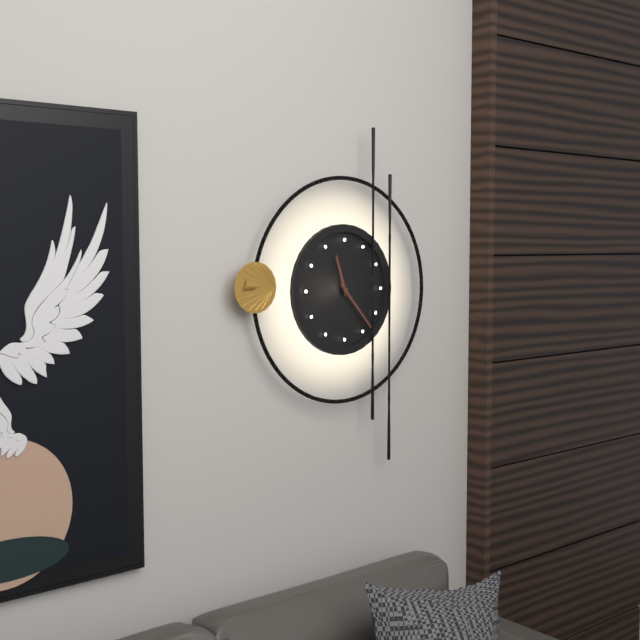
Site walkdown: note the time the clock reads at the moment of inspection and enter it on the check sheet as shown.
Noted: 11:23
